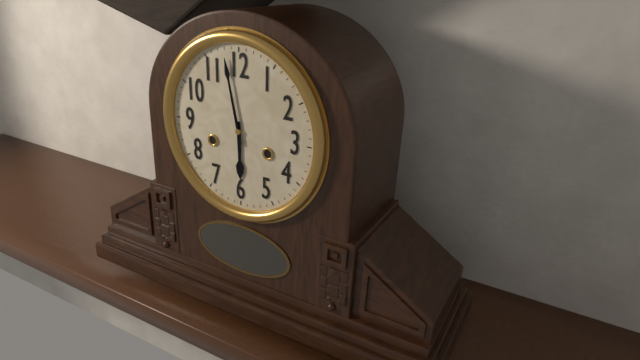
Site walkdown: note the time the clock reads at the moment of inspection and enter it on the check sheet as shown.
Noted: 5:58
